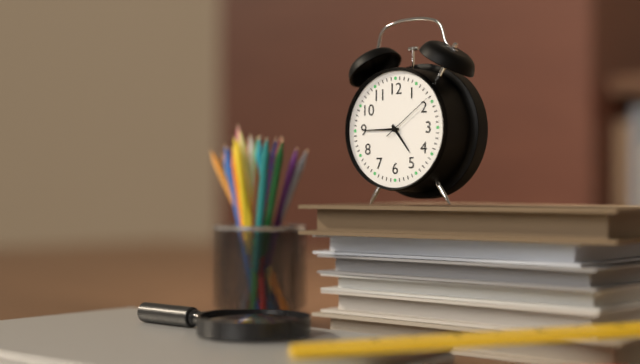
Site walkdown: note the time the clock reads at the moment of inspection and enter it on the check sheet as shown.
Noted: 4:45:09
